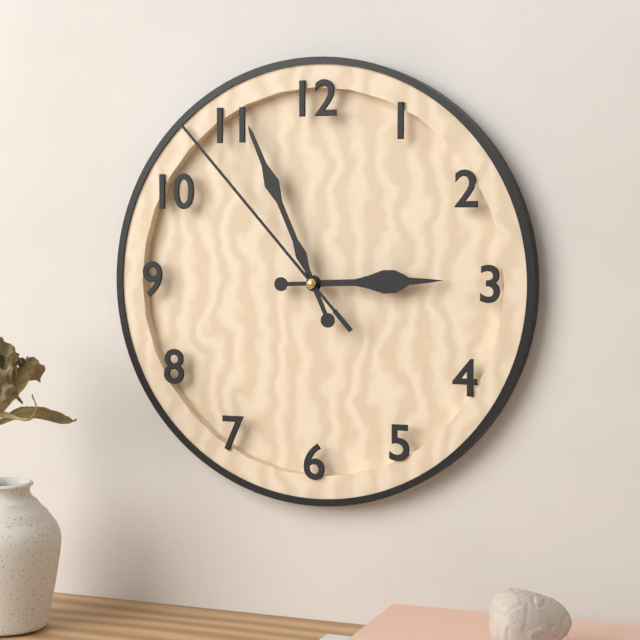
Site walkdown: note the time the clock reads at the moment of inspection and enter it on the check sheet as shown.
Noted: 2:56:53
